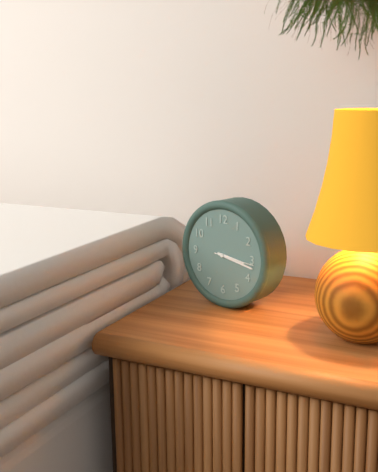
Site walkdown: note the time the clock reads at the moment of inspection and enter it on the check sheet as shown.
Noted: 3:17
